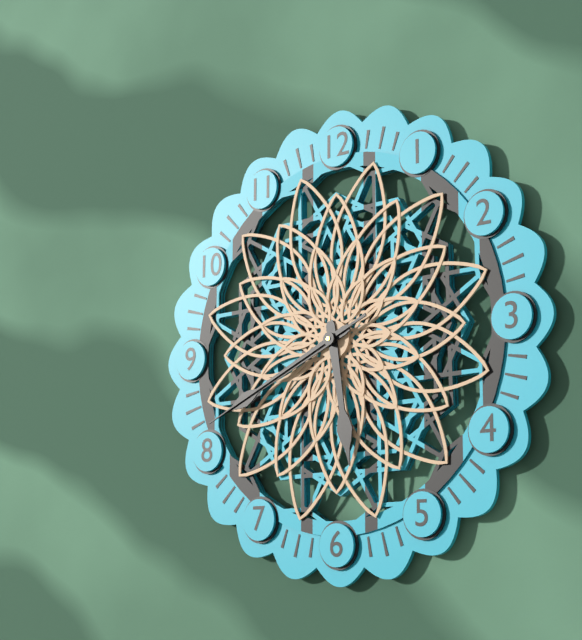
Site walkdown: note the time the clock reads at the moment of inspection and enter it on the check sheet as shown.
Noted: 5:41:41
